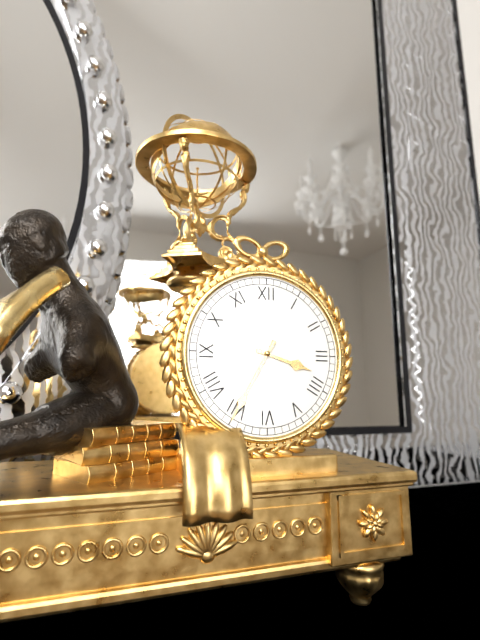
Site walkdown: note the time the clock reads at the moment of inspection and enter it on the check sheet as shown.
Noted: 3:35
